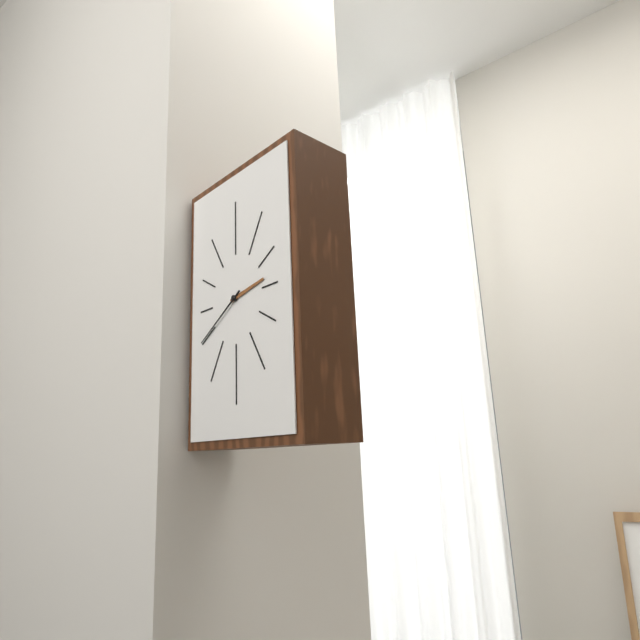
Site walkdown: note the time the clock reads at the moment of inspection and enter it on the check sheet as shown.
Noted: 2:40
